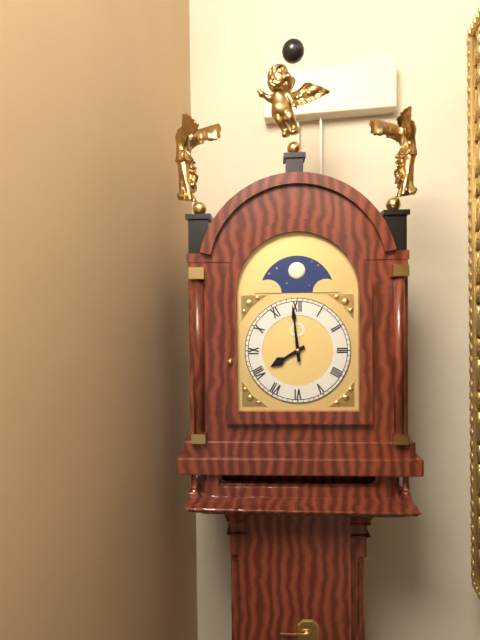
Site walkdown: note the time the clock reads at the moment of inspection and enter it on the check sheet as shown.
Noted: 7:59
